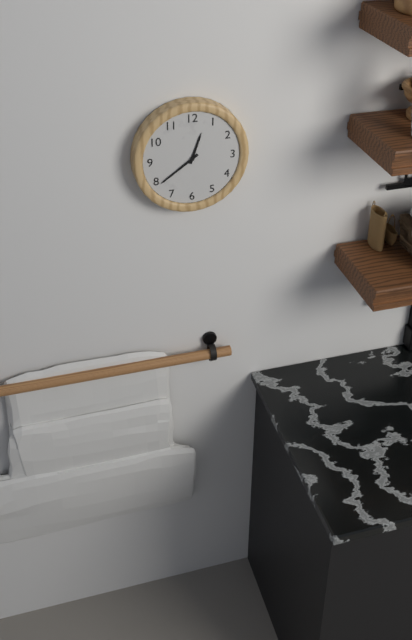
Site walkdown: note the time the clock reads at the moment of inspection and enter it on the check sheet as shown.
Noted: 12:39
